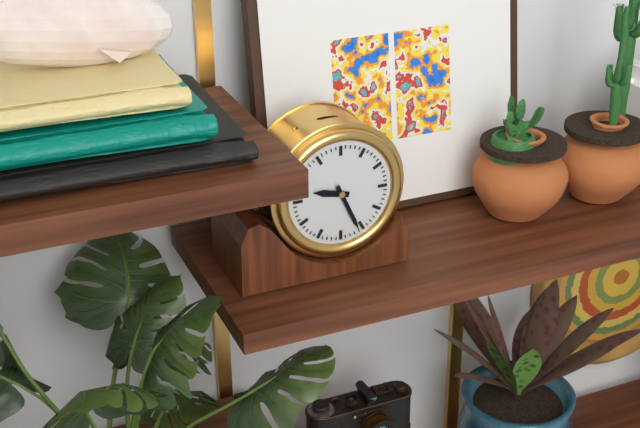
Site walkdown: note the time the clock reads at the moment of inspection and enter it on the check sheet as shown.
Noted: 9:26
